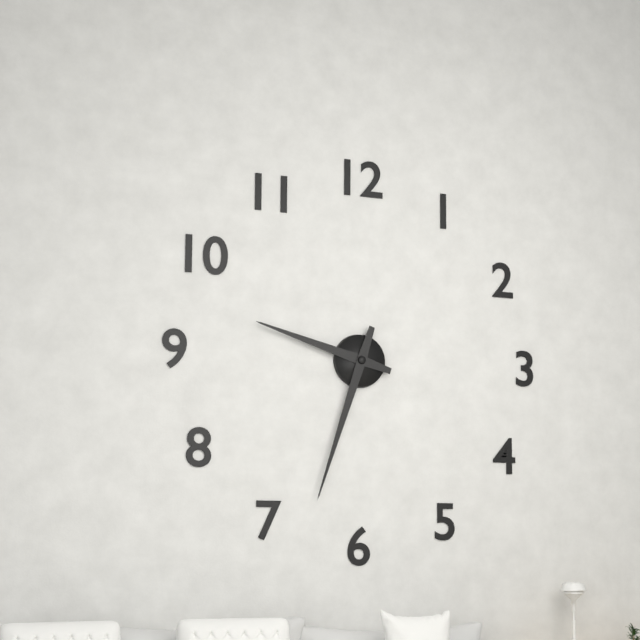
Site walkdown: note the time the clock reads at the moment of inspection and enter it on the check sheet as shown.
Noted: 9:33
